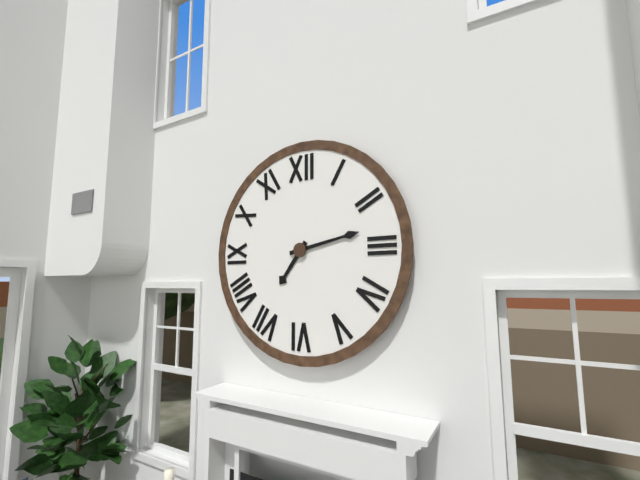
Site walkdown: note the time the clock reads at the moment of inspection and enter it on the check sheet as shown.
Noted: 7:13
